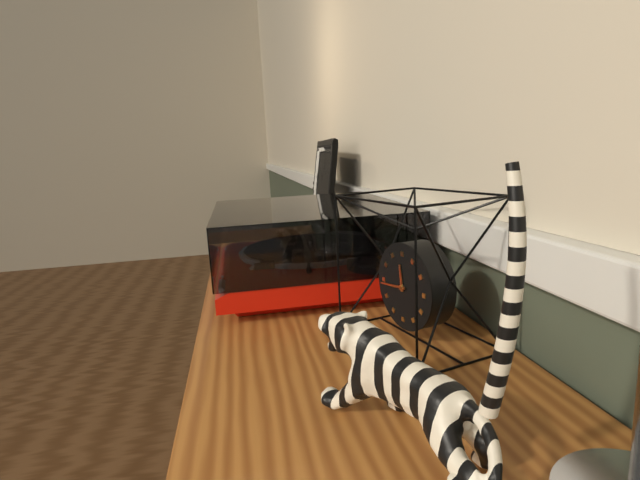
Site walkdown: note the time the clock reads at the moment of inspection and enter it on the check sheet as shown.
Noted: 11:44
